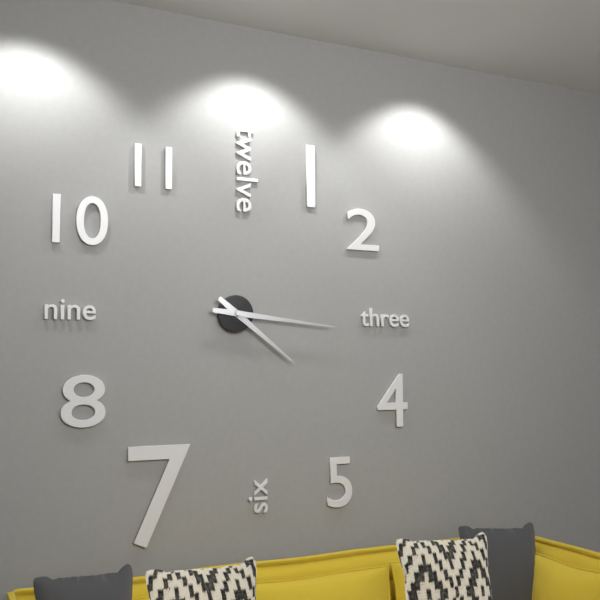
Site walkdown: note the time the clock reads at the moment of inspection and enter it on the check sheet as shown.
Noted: 4:16
